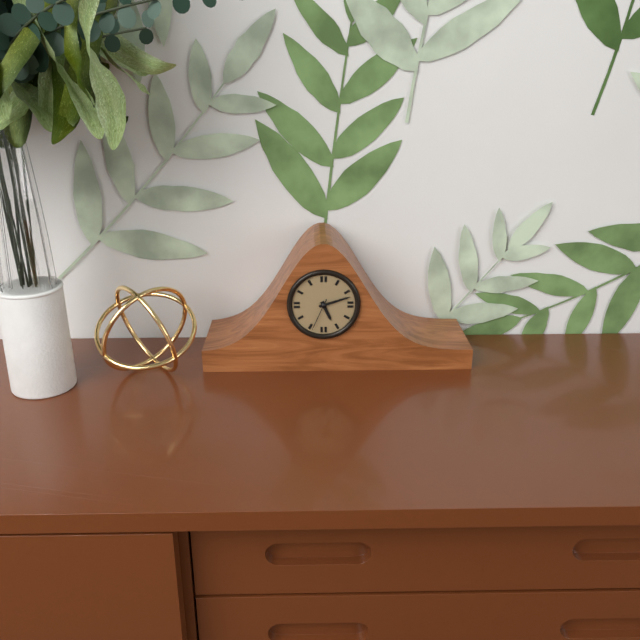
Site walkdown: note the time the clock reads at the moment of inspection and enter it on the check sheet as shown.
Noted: 5:12
